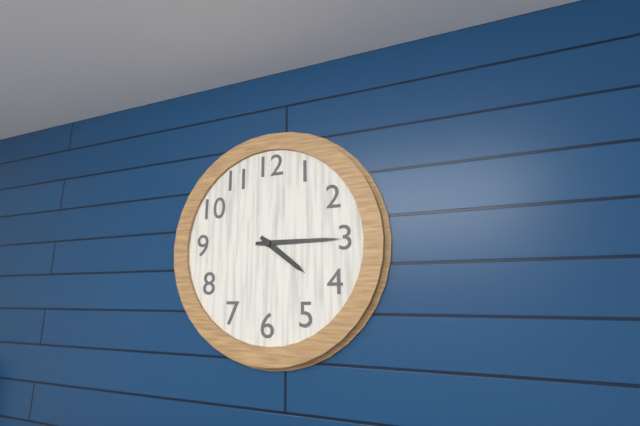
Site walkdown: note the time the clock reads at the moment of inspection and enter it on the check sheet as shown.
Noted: 4:15
